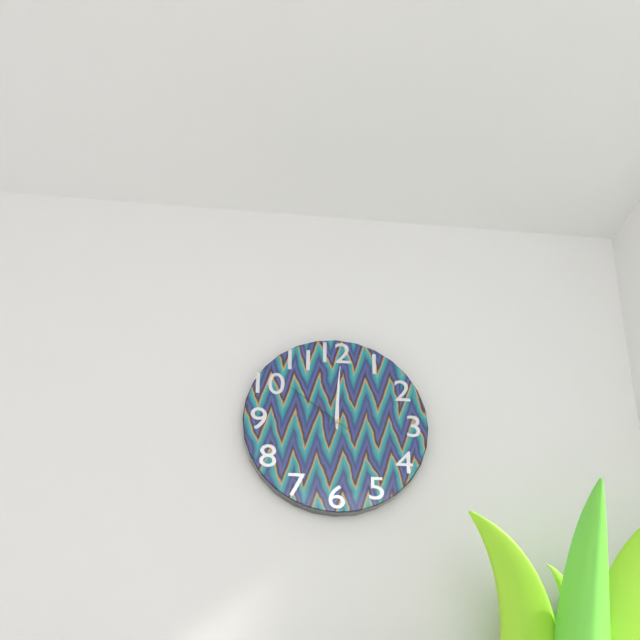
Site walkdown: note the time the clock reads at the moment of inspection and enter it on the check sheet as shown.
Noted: 12:00:51
